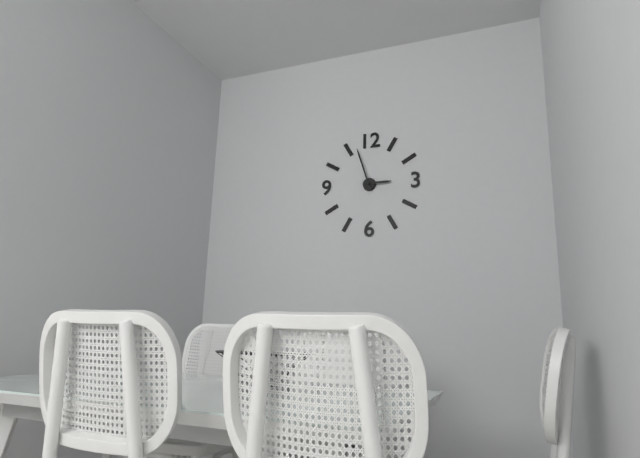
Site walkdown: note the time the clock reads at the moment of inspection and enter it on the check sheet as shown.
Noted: 2:57
